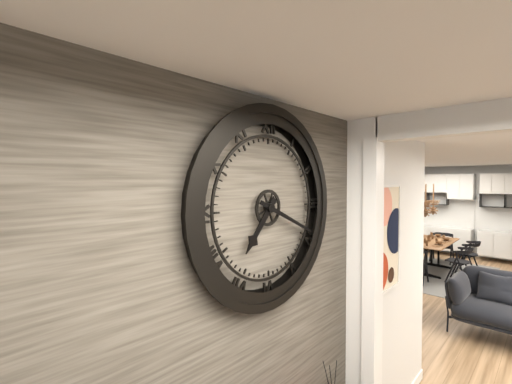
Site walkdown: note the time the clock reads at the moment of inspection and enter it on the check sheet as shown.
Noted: 7:19
